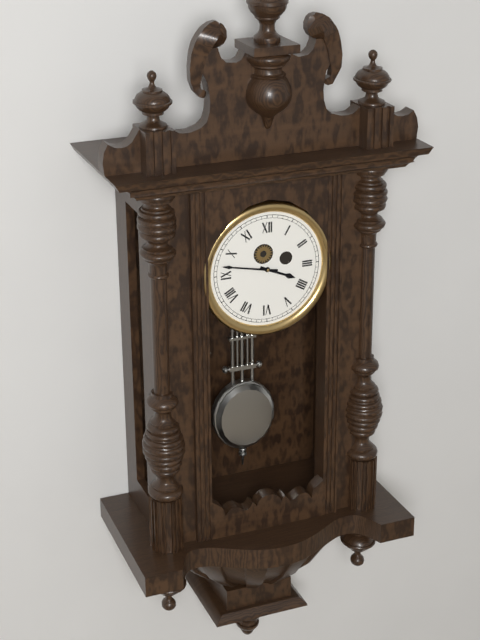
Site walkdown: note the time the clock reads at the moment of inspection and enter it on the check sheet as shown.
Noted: 3:47
